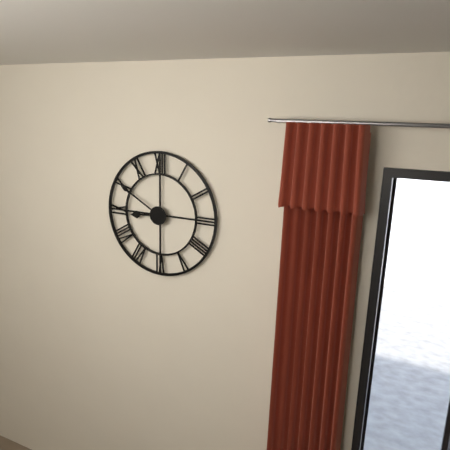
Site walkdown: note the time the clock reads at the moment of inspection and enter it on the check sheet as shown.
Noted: 8:50
